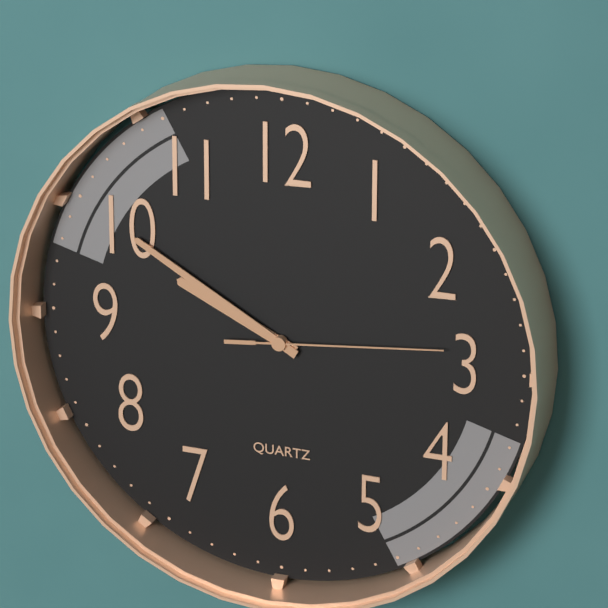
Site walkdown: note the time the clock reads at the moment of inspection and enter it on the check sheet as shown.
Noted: 9:50:14
